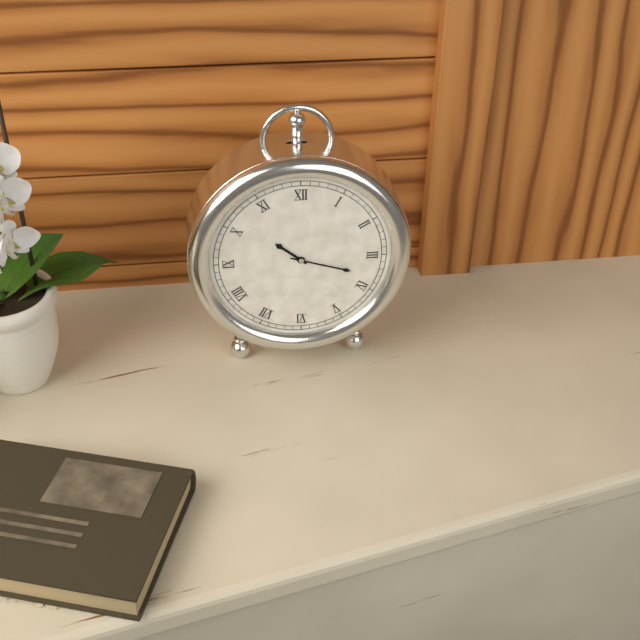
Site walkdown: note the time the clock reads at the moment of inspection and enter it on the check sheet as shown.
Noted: 10:18
